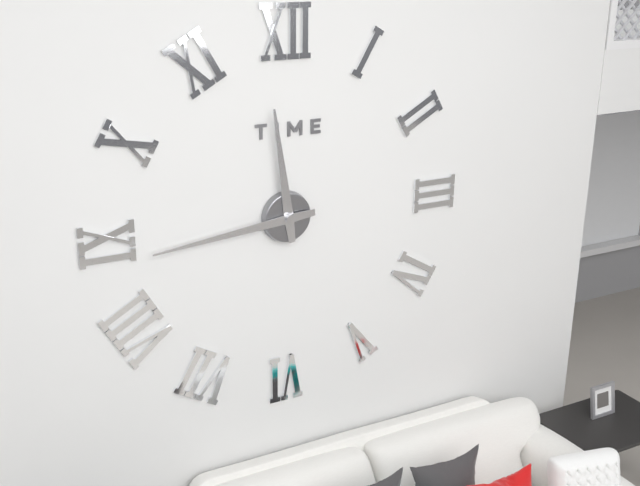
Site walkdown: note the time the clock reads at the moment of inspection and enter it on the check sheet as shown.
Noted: 11:44
